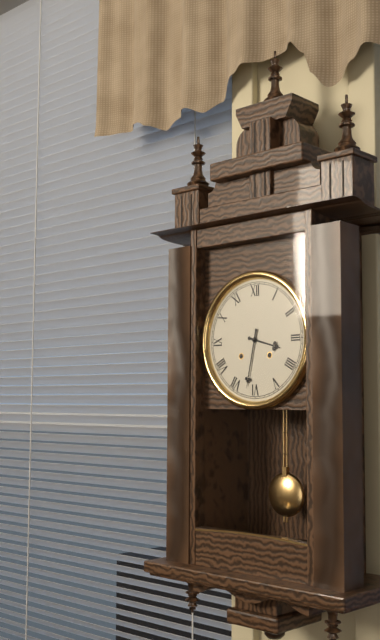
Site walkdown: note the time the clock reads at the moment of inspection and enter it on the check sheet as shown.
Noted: 3:32
